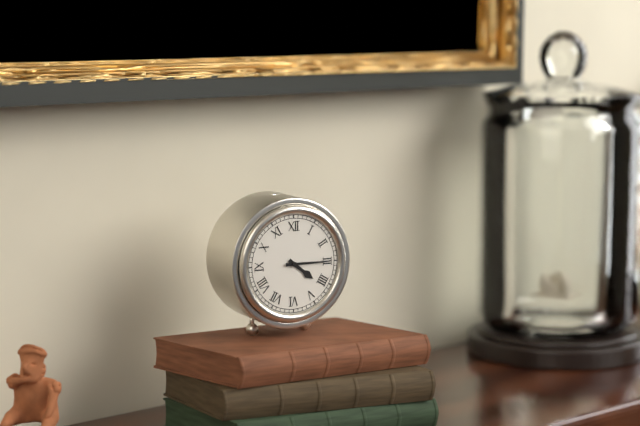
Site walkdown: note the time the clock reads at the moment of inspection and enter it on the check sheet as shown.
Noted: 4:15
